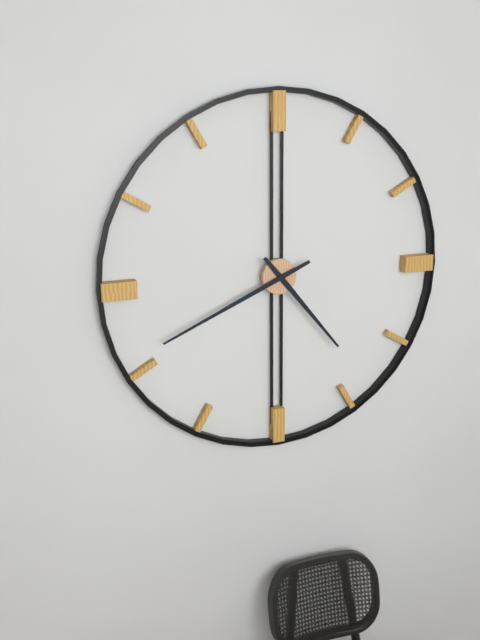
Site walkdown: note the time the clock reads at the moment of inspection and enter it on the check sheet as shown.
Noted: 4:41
